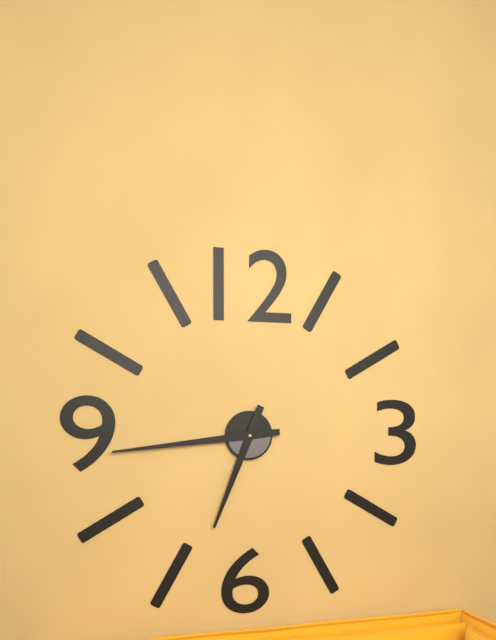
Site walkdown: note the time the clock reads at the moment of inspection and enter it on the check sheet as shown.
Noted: 6:44
